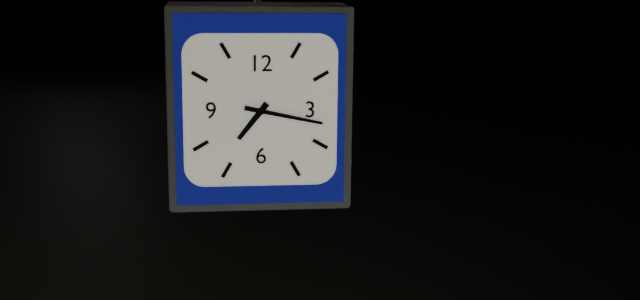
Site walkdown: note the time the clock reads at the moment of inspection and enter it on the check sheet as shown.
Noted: 7:17
